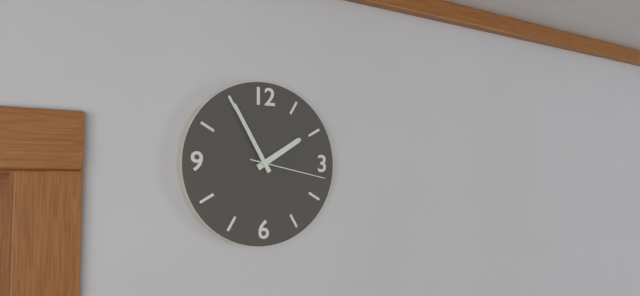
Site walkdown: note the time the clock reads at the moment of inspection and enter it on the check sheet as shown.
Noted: 1:55:17
